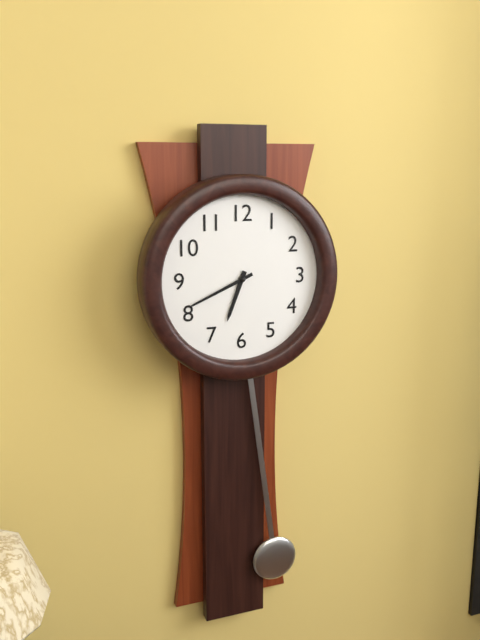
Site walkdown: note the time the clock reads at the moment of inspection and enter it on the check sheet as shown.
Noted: 6:41
